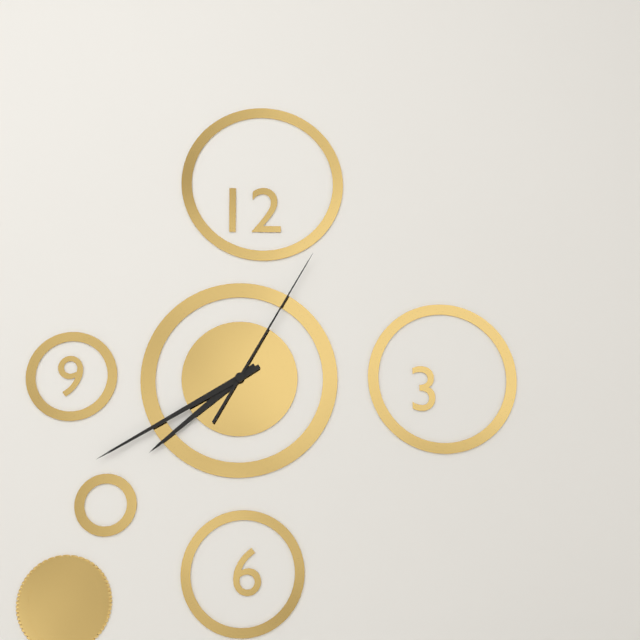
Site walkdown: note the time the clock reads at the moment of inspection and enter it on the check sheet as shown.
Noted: 7:40:05
